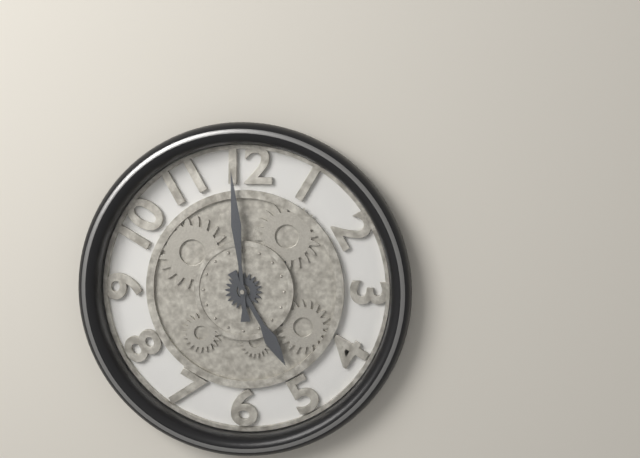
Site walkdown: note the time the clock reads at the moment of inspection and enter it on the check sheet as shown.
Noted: 4:59
